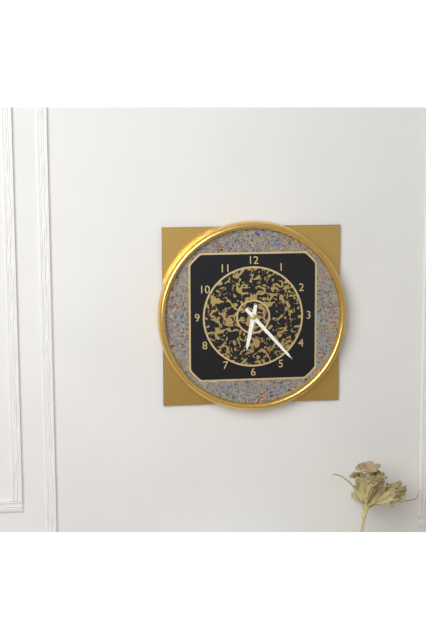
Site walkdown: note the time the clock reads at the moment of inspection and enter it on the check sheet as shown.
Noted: 6:23
